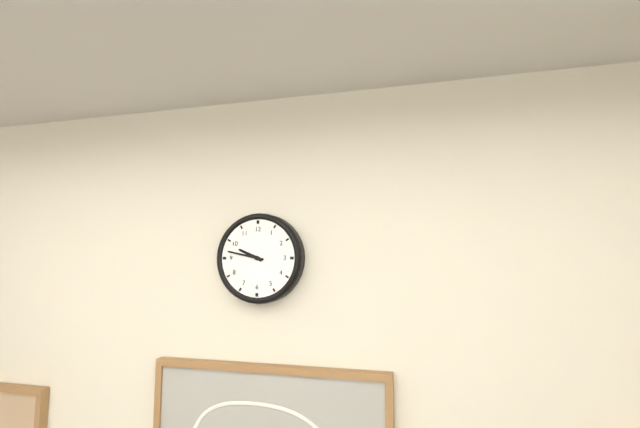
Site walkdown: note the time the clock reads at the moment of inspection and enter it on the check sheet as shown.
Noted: 9:47
